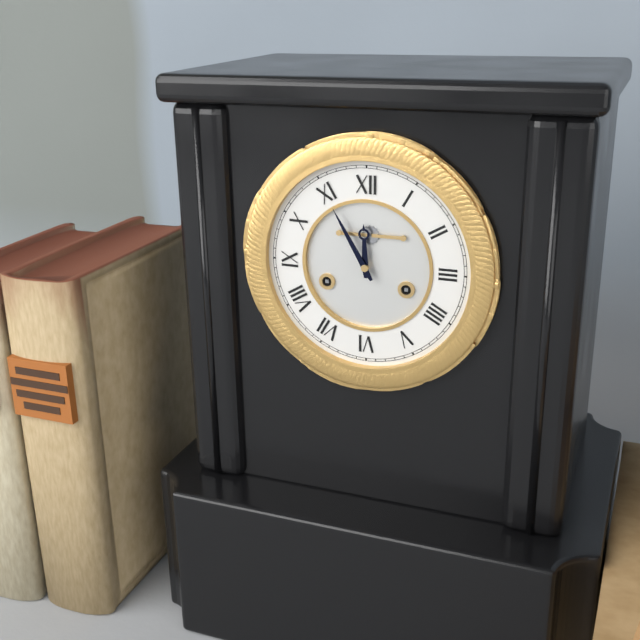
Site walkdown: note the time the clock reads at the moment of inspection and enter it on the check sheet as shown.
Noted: 11:55
